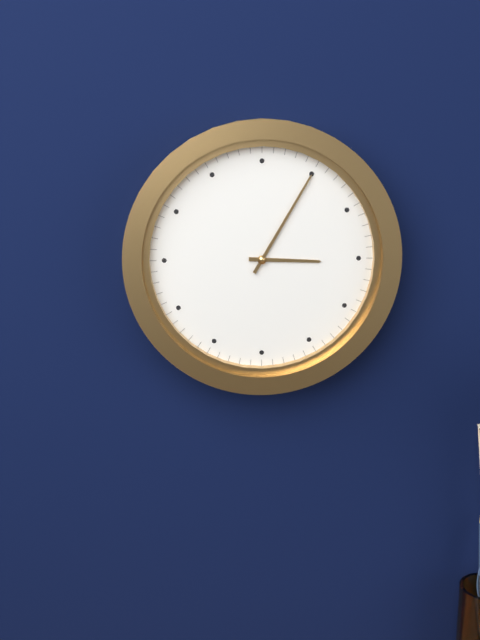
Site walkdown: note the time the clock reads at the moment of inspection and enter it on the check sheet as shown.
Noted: 3:05
